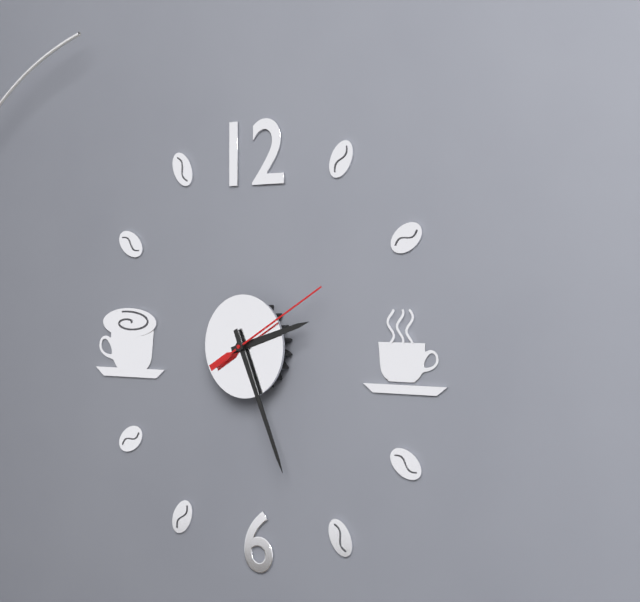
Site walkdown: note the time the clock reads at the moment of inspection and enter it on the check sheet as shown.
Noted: 2:26:10
